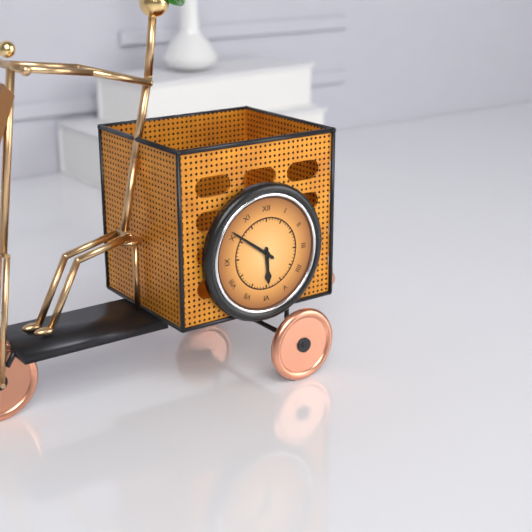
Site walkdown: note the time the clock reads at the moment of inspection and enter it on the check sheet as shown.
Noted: 5:51
